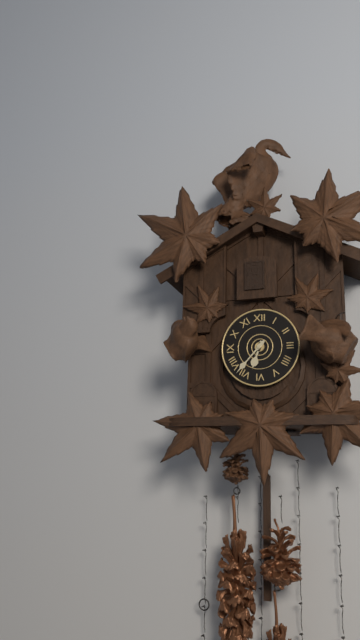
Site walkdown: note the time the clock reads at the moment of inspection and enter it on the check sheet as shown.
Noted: 6:37
